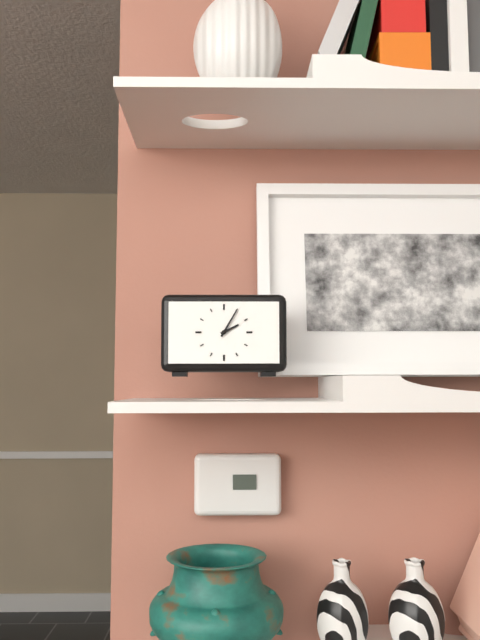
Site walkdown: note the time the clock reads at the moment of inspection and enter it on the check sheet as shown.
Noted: 2:05
